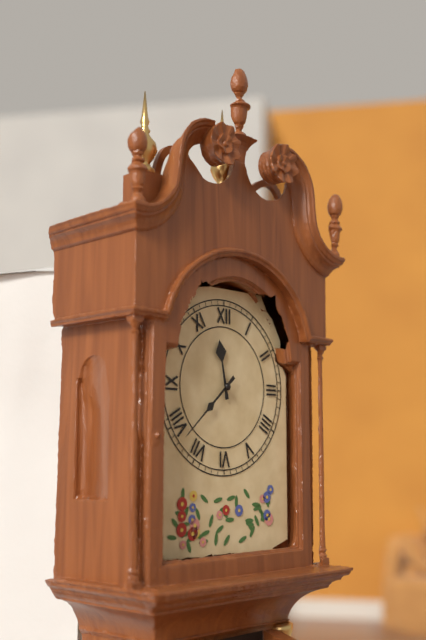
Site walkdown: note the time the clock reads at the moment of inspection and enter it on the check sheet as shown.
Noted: 11:38
